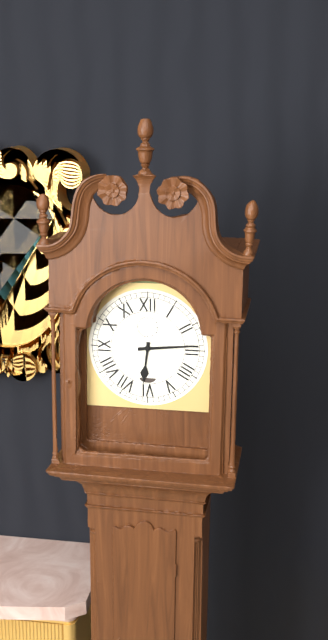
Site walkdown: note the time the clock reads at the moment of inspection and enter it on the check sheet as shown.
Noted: 6:14
